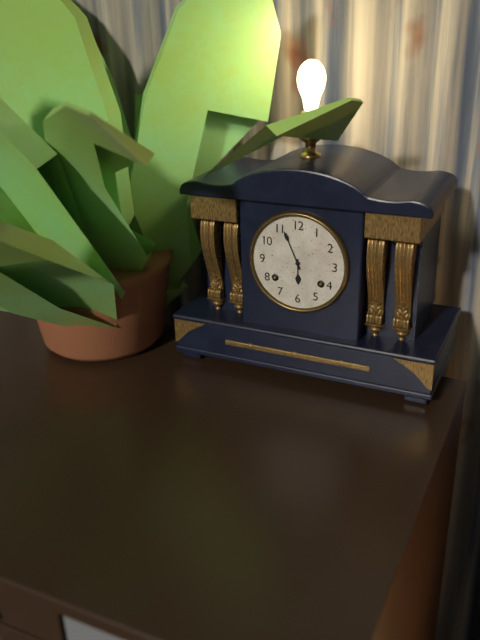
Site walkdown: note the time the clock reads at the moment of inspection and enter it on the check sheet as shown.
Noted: 5:56
